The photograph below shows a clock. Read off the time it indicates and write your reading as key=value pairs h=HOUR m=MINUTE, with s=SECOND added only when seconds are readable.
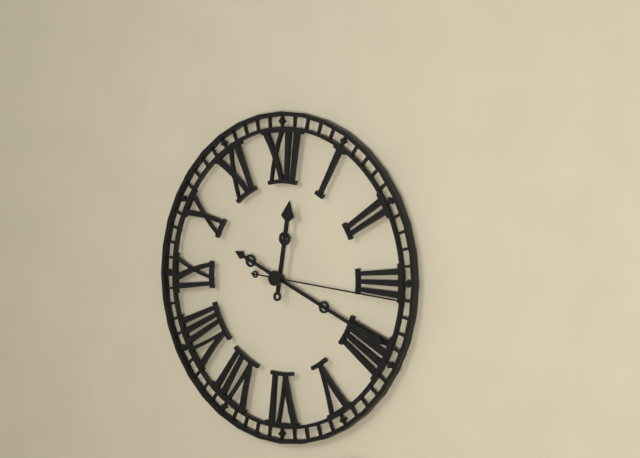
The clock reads h=12 m=19 s=16
